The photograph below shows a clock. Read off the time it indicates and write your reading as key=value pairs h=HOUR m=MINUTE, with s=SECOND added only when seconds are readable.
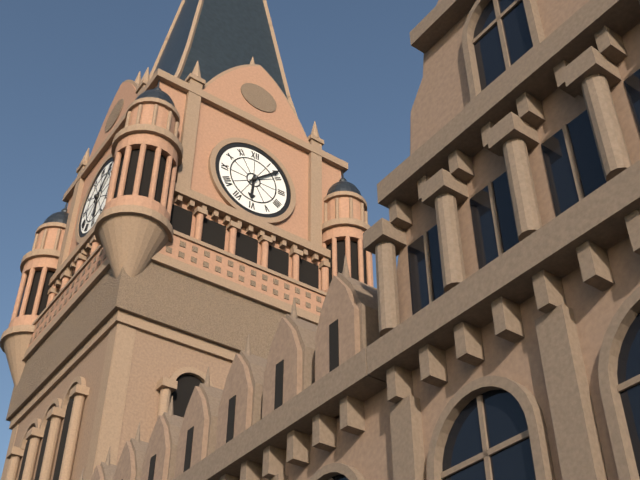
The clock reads h=6 m=8
